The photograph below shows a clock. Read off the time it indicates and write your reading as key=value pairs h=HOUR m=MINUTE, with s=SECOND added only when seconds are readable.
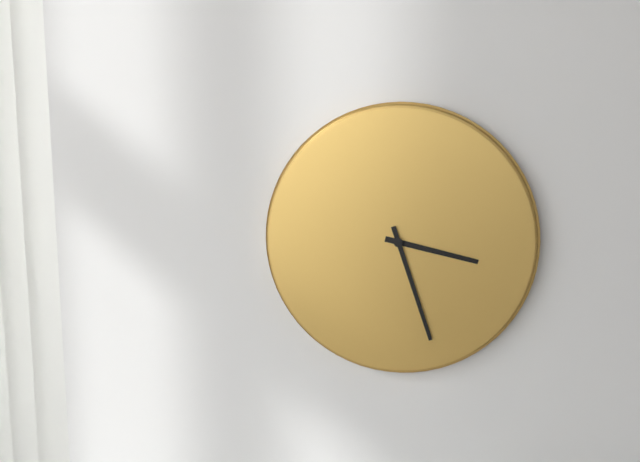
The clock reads h=3 m=27
